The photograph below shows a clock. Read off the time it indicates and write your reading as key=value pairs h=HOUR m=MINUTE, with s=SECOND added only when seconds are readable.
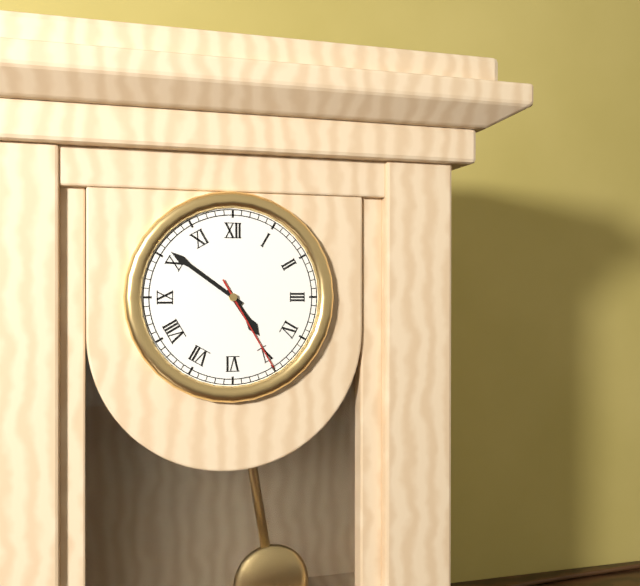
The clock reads h=4 m=51 s=25
